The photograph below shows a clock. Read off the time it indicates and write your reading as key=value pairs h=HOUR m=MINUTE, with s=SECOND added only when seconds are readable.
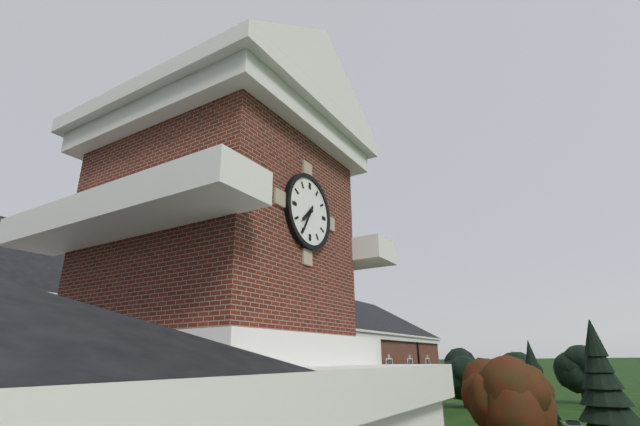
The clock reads h=7 m=35
